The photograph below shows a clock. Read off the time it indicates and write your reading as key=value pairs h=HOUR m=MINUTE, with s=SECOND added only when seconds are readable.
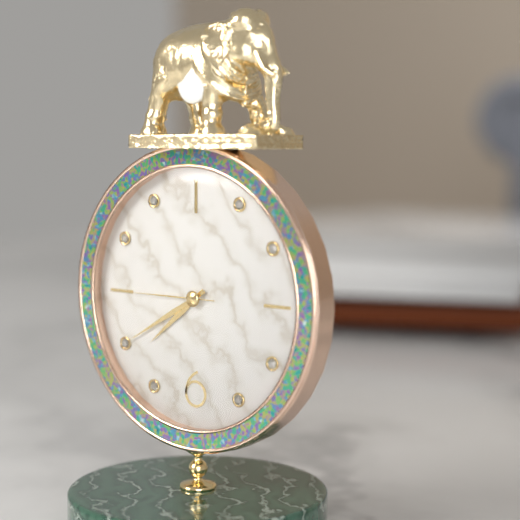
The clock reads h=7 m=40 s=45
